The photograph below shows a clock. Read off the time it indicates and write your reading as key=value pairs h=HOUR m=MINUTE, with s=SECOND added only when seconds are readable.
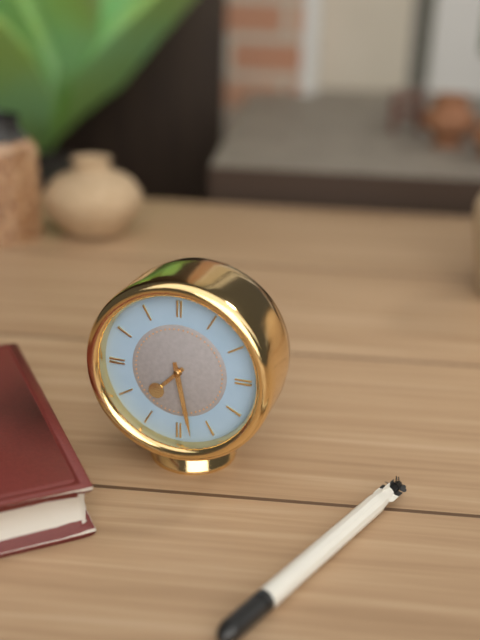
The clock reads h=7 m=28
